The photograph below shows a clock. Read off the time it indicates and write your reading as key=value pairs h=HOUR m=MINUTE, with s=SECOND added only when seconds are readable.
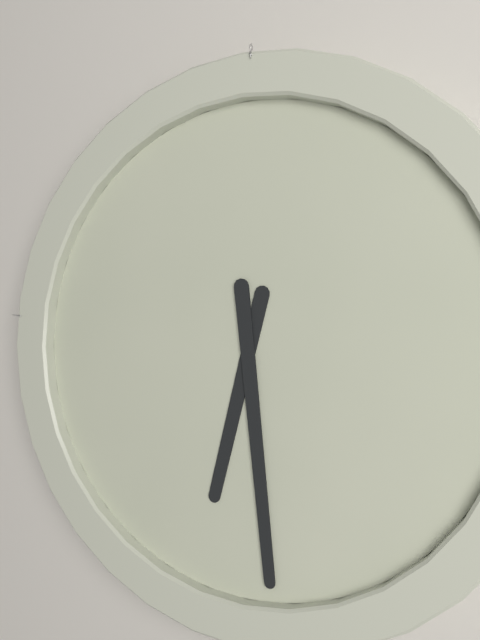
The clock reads h=6 m=29
